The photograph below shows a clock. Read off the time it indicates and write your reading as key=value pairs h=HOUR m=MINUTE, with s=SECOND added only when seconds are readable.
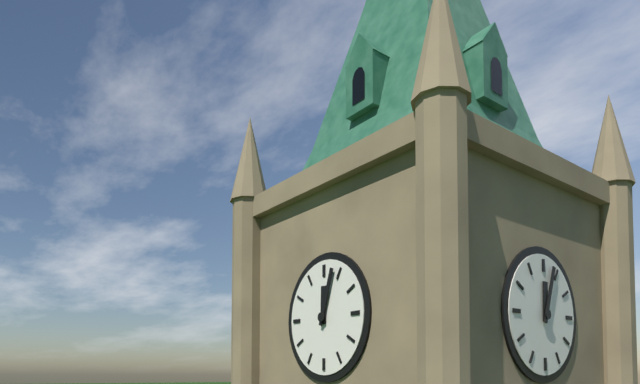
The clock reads h=12 m=3
